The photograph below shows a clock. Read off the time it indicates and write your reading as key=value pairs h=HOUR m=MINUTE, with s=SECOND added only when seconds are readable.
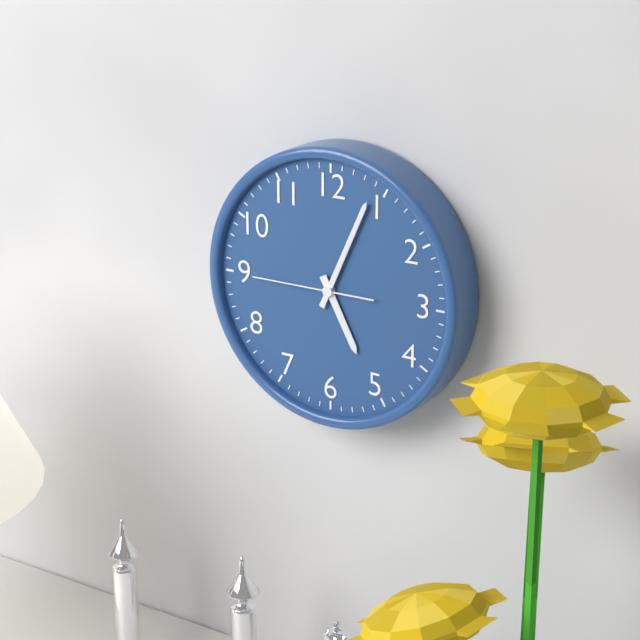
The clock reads h=5 m=4 s=45
